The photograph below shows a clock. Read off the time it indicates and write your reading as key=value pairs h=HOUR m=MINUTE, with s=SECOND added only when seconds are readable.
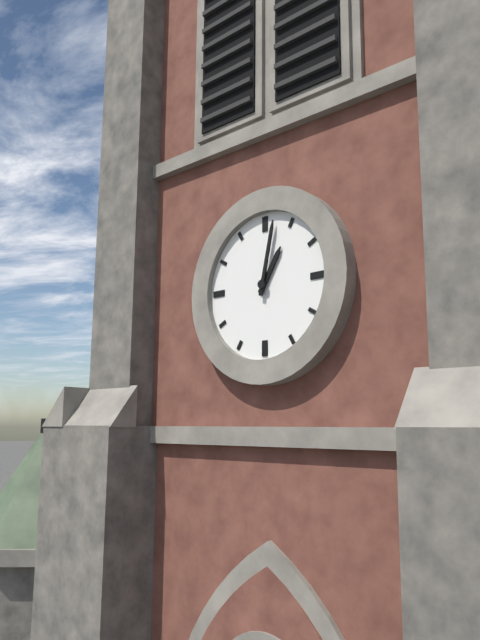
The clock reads h=1 m=2
